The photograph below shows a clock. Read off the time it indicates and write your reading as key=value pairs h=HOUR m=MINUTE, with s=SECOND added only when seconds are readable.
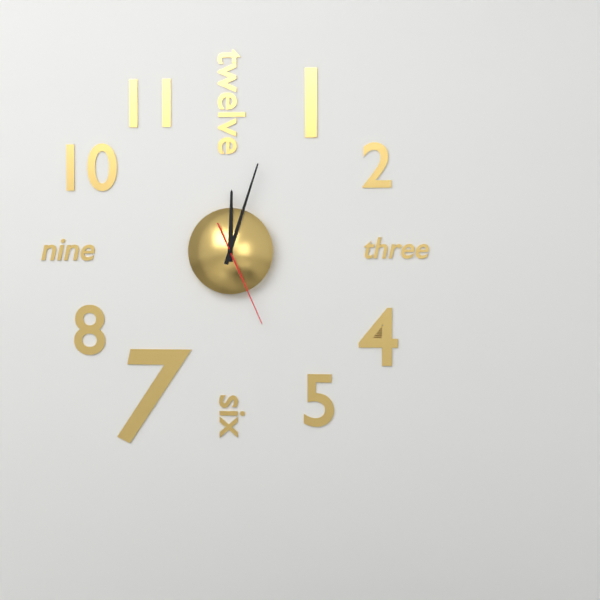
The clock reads h=12 m=3 s=26
